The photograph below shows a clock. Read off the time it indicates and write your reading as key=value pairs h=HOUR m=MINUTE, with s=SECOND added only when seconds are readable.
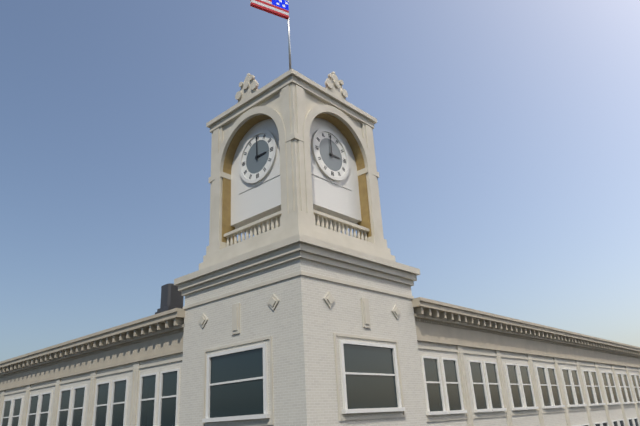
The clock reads h=3 m=0
